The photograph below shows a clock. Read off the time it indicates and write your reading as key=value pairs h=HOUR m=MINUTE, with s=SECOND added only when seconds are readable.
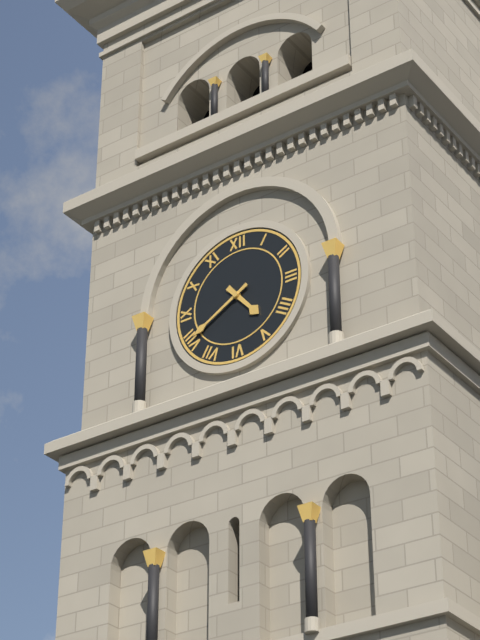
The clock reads h=4 m=40
